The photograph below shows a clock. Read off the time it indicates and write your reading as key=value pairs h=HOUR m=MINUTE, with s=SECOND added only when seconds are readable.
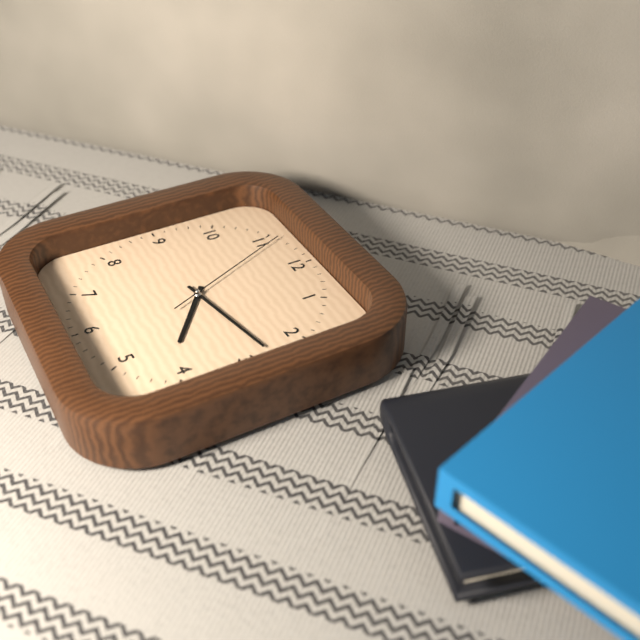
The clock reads h=4 m=13 s=56
